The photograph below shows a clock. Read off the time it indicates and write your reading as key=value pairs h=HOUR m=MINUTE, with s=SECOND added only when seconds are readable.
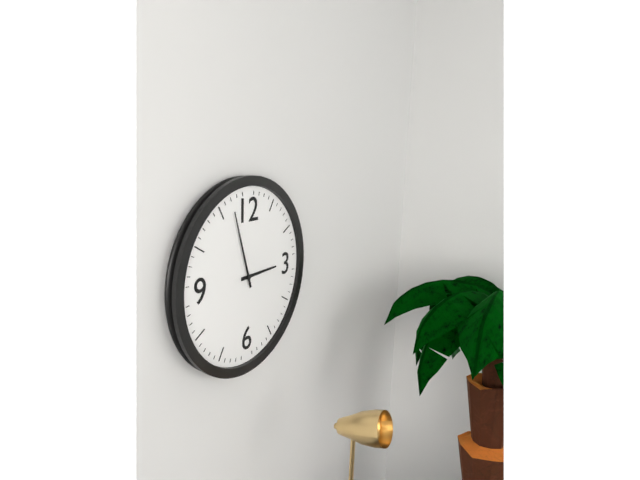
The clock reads h=2 m=57
